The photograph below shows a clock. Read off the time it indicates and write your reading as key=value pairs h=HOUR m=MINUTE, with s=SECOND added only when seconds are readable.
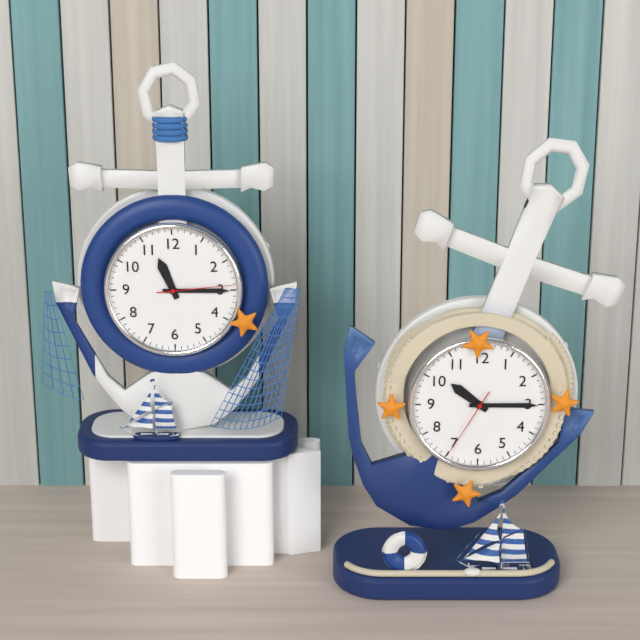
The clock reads h=11 m=15 s=14
